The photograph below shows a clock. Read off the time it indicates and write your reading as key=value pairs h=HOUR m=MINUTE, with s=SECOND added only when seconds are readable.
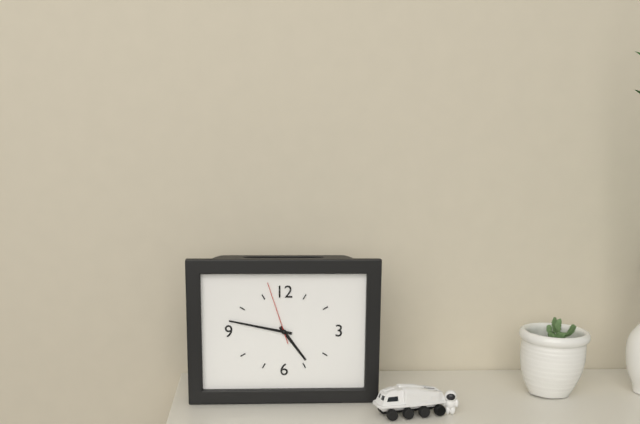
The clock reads h=4 m=47 s=57
